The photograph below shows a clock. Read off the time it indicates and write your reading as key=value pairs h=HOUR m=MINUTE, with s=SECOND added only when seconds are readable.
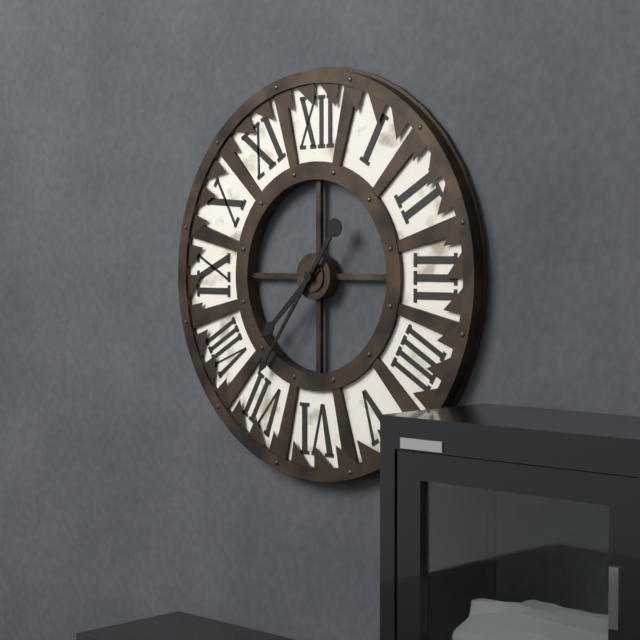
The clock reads h=7 m=36
